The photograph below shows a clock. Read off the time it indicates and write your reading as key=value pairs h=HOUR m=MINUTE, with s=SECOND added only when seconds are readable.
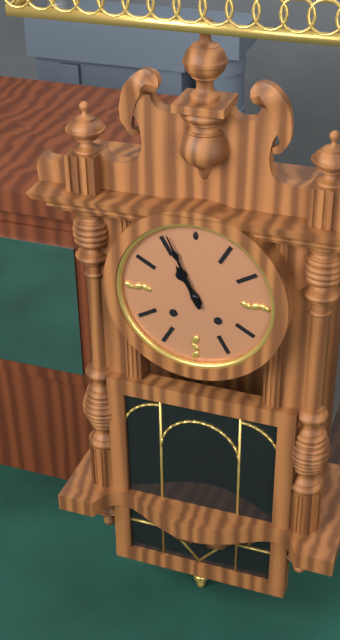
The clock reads h=10 m=56
